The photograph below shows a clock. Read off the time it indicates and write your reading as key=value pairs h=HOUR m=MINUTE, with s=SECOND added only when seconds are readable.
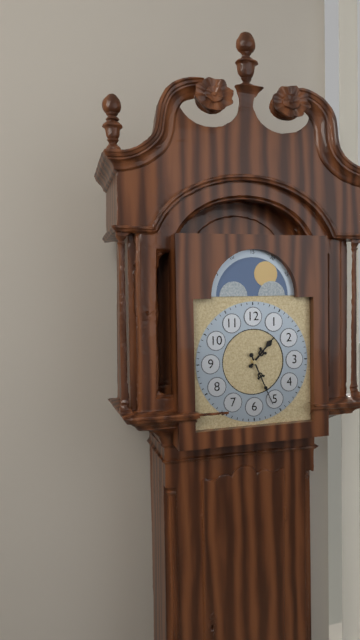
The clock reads h=1 m=26
